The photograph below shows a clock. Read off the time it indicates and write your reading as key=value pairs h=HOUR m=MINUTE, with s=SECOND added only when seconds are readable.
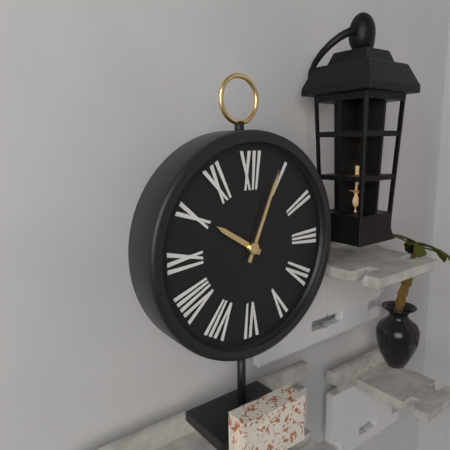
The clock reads h=10 m=4
